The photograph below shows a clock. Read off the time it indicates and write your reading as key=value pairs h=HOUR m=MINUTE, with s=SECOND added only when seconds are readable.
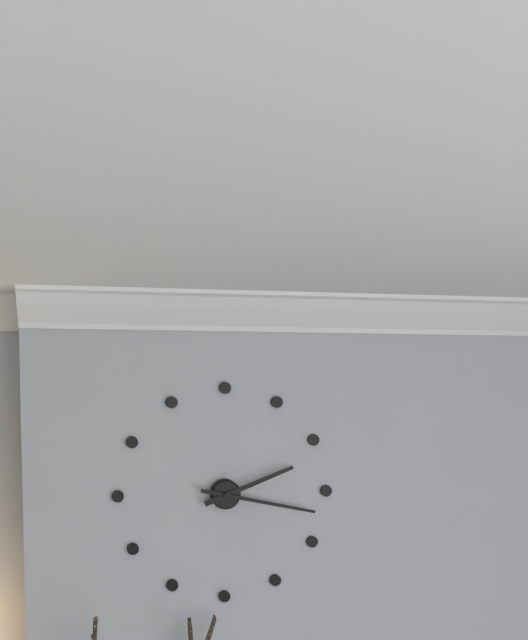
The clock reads h=2 m=17
